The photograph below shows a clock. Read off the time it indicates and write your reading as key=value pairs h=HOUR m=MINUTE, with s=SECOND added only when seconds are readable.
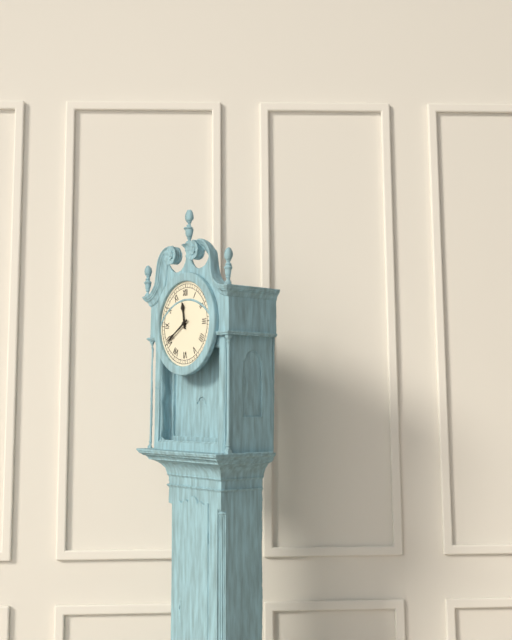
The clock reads h=11 m=40
